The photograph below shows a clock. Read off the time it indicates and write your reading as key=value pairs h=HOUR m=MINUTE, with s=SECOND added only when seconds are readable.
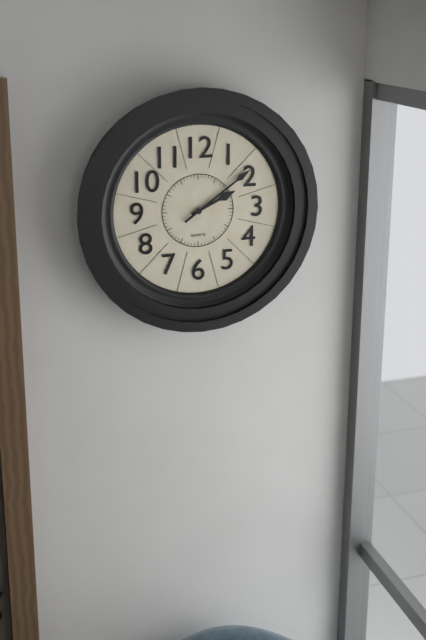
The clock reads h=2 m=9
